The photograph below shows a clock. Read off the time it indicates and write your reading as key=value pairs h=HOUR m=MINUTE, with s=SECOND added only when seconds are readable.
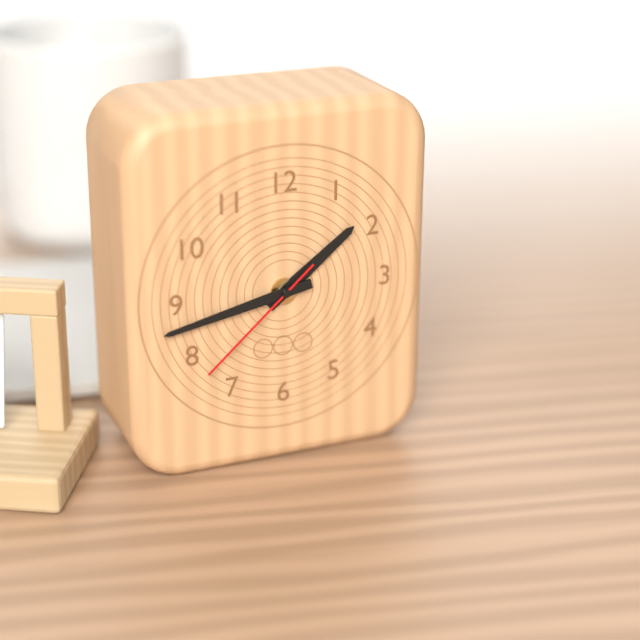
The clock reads h=1 m=43 s=38
